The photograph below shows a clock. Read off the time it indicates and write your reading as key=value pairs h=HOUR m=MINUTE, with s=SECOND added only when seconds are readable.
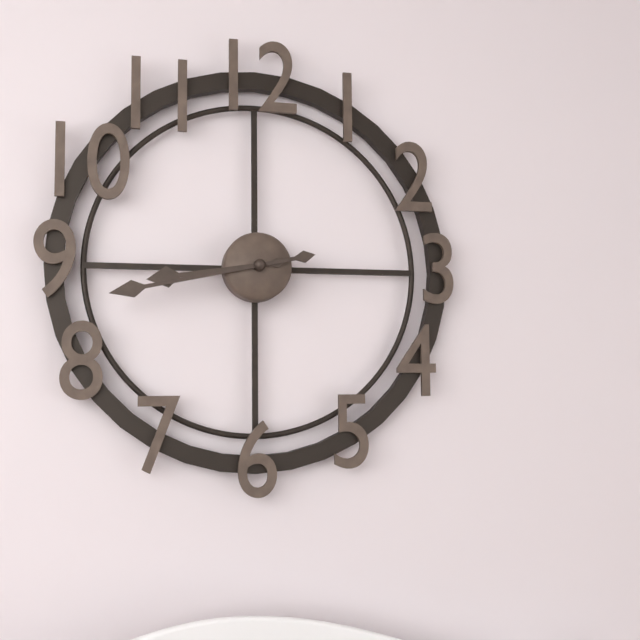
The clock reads h=8 m=43
